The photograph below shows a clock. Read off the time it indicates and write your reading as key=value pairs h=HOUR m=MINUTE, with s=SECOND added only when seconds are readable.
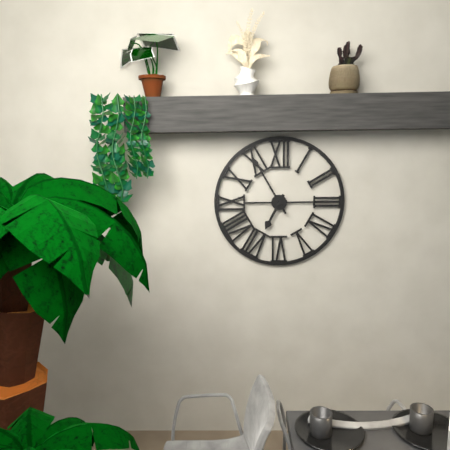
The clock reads h=6 m=55
